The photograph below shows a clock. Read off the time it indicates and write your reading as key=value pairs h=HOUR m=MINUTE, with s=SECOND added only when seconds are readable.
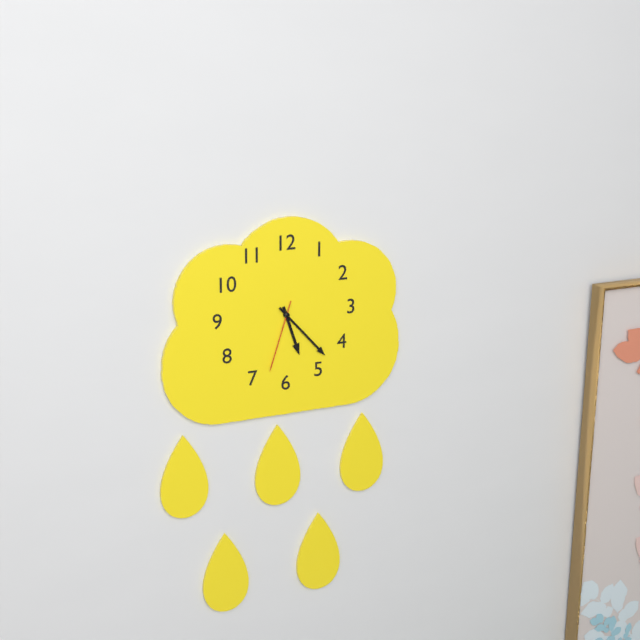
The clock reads h=5 m=23 s=33
